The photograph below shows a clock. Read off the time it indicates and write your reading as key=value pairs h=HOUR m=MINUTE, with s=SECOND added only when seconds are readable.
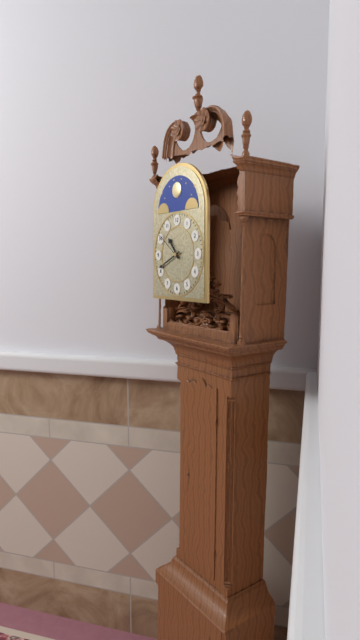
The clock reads h=10 m=41
